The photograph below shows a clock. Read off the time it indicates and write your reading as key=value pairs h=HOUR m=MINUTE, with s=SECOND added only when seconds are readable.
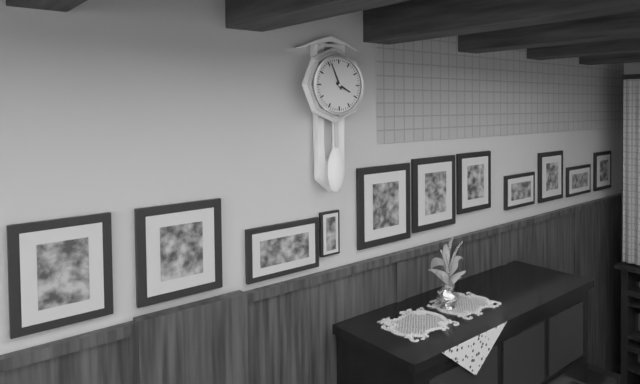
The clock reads h=3 m=56
